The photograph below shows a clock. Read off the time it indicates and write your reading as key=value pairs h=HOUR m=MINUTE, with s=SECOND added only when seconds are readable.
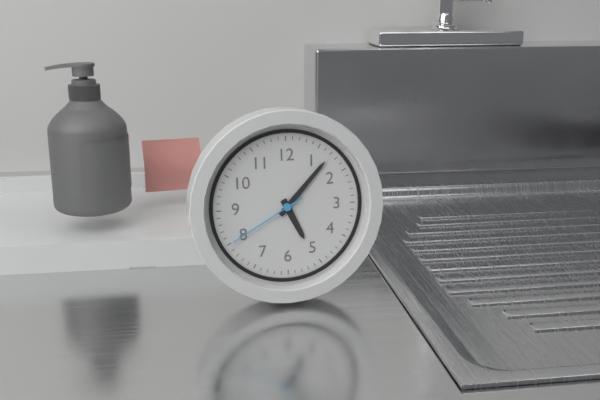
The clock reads h=5 m=7 s=40
